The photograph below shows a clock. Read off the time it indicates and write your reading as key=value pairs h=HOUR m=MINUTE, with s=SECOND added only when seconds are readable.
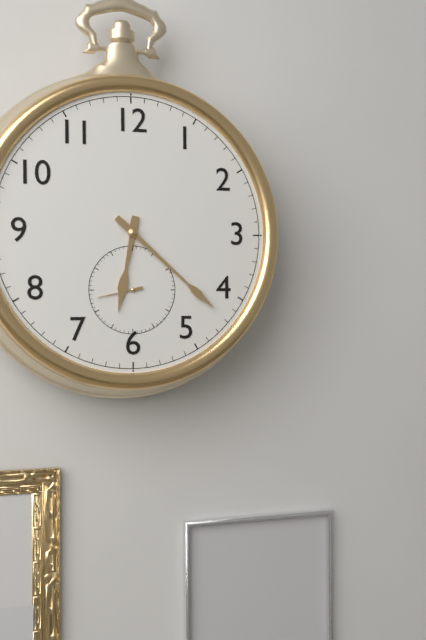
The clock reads h=6 m=22
